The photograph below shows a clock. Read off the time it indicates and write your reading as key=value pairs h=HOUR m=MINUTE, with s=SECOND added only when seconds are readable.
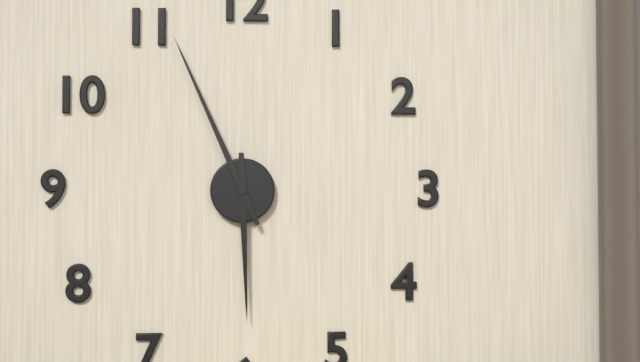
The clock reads h=5 m=56
